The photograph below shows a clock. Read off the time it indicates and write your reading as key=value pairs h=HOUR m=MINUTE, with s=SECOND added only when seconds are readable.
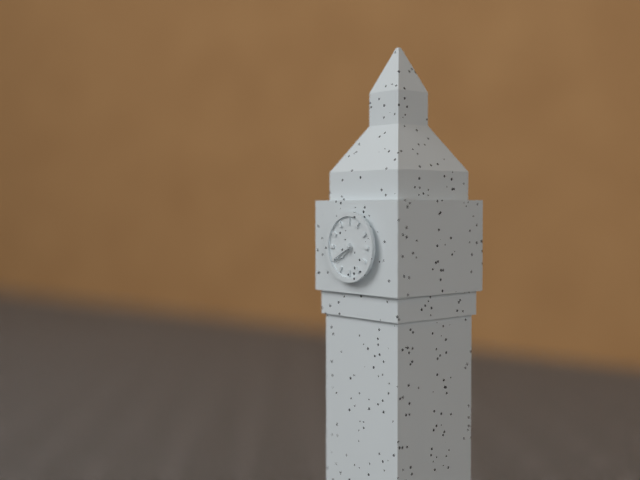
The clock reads h=7 m=40
